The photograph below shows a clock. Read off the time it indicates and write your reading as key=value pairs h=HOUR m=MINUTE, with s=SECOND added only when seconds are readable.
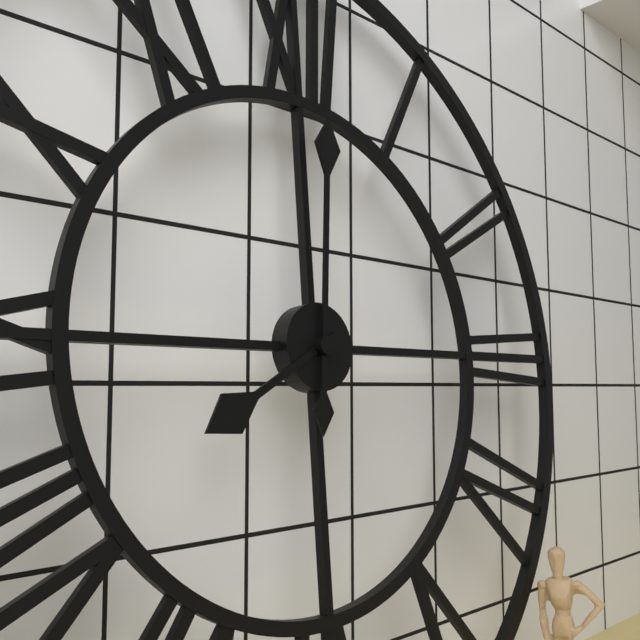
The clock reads h=8 m=1
